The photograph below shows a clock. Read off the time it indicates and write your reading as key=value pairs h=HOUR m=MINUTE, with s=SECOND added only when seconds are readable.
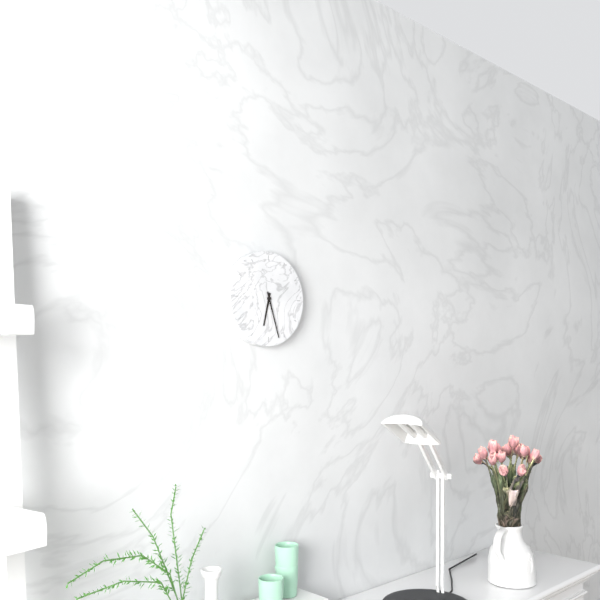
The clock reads h=6 m=27
